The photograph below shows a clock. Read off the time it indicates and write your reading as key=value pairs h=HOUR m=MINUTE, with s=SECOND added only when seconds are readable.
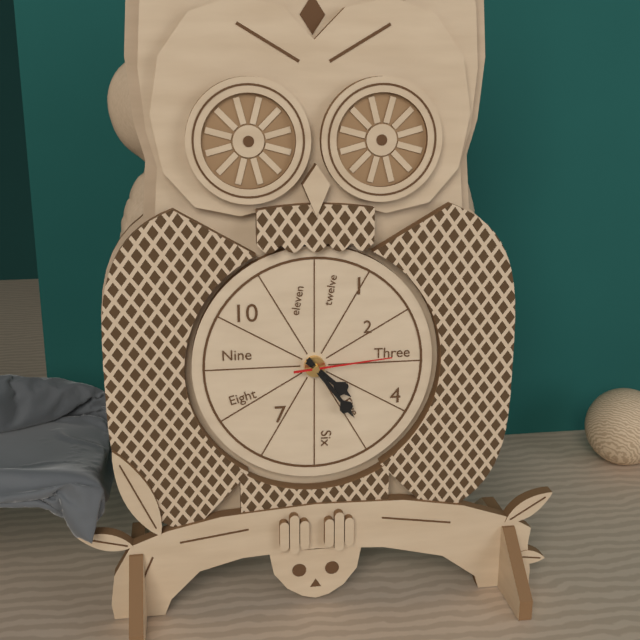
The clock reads h=4 m=24 s=14
